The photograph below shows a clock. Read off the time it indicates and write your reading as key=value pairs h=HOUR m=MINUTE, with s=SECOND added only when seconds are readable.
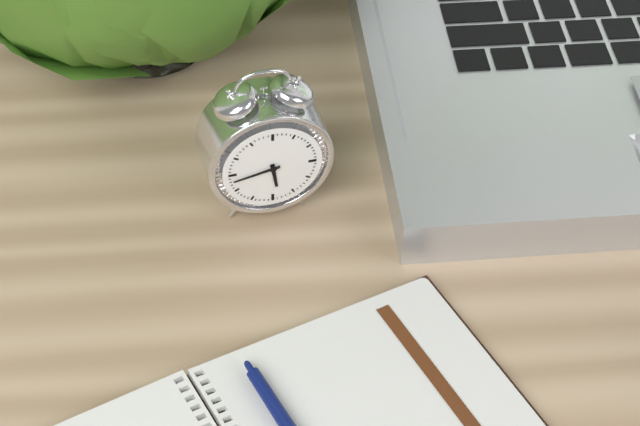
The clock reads h=5 m=43
